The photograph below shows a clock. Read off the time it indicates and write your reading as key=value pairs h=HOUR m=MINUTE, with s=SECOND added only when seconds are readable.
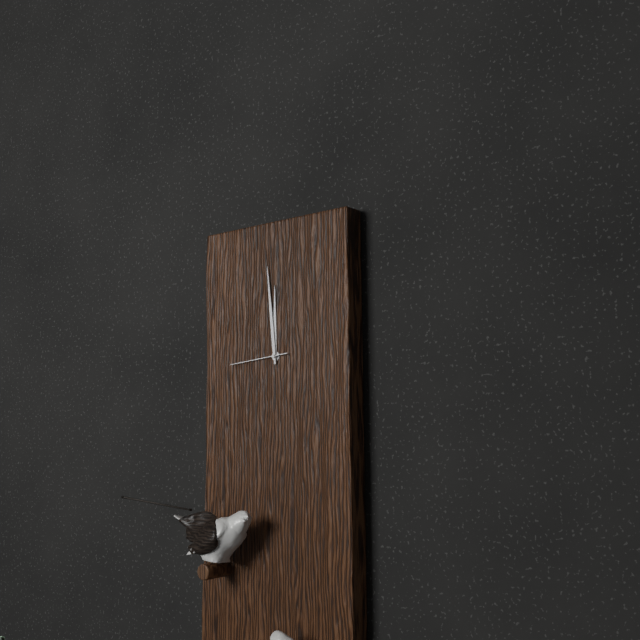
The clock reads h=11 m=59 s=44
